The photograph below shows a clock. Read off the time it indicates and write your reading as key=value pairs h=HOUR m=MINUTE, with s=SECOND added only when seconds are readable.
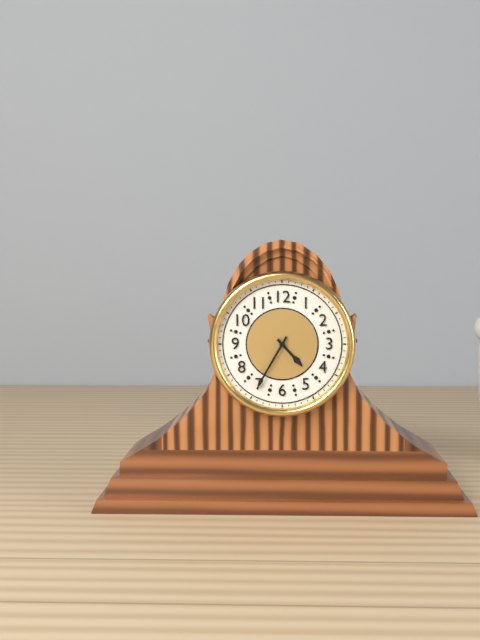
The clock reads h=4 m=35
